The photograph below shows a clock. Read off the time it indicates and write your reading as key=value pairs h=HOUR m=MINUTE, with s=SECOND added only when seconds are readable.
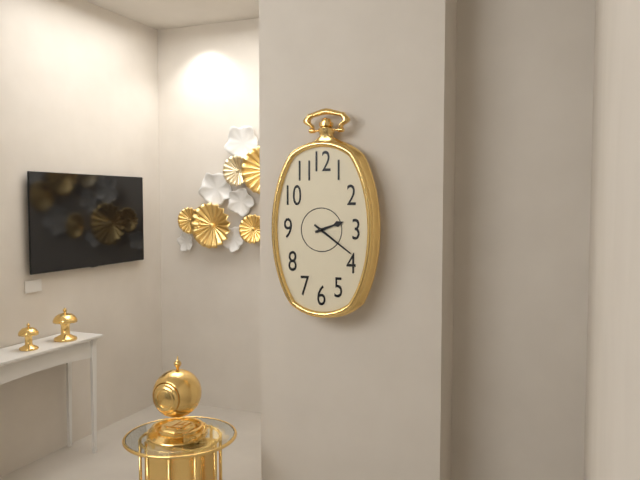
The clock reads h=2 m=21
